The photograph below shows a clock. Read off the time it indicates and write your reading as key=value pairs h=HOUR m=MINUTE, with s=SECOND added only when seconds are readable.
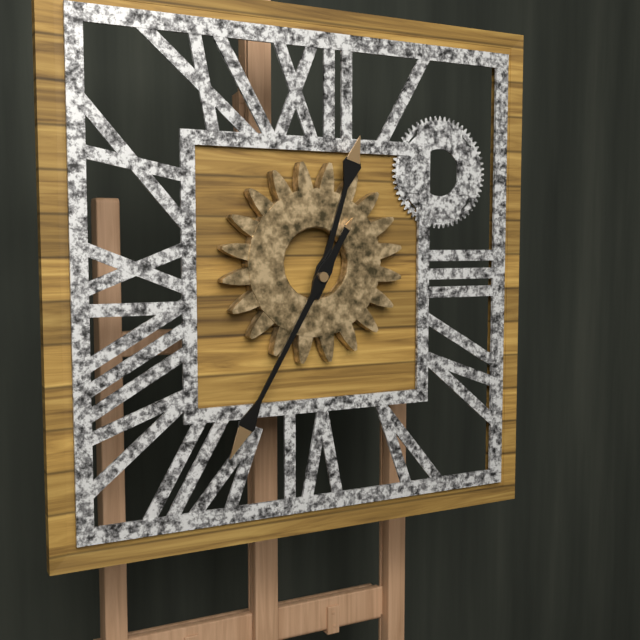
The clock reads h=12 m=35
